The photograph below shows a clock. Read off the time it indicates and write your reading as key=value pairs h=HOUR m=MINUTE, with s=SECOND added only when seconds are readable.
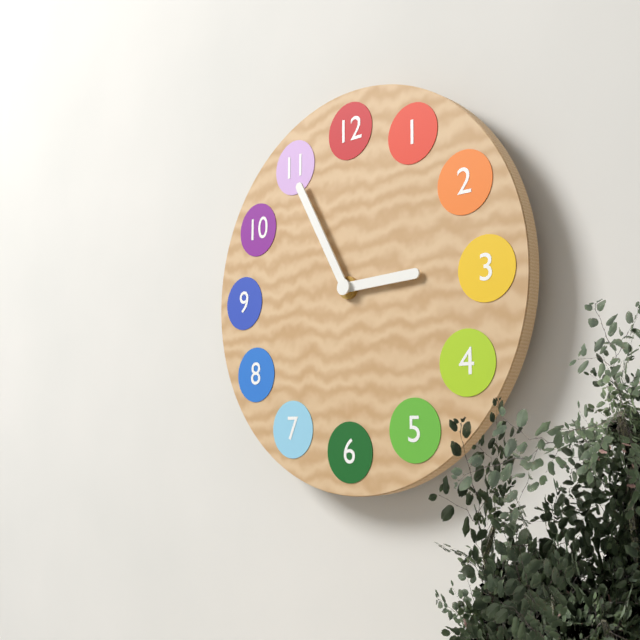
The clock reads h=2 m=55
